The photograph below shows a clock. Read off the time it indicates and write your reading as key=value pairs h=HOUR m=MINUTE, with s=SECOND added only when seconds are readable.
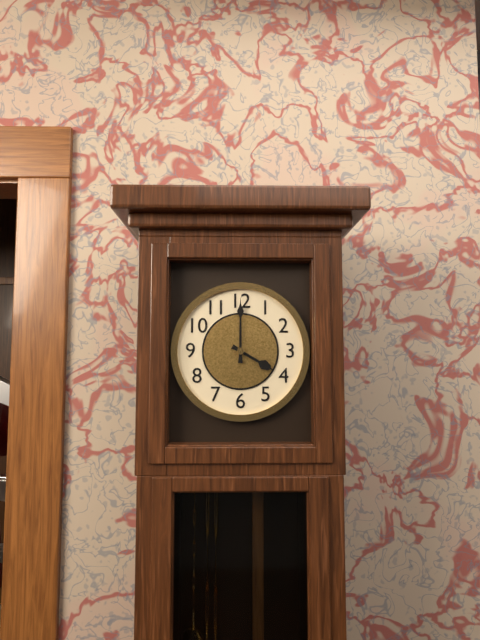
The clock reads h=4 m=0
